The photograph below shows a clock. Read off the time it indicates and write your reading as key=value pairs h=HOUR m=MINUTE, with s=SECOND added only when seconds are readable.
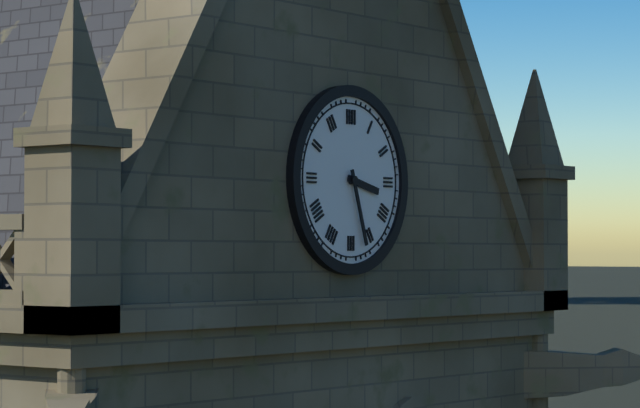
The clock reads h=3 m=27
